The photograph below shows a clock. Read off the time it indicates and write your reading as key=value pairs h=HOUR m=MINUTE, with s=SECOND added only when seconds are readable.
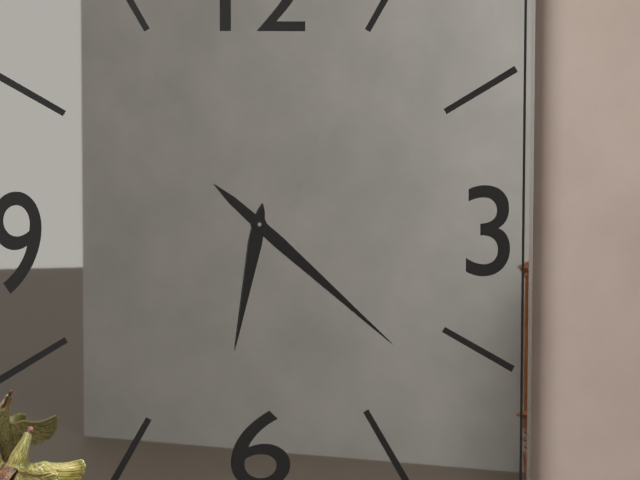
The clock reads h=6 m=22
